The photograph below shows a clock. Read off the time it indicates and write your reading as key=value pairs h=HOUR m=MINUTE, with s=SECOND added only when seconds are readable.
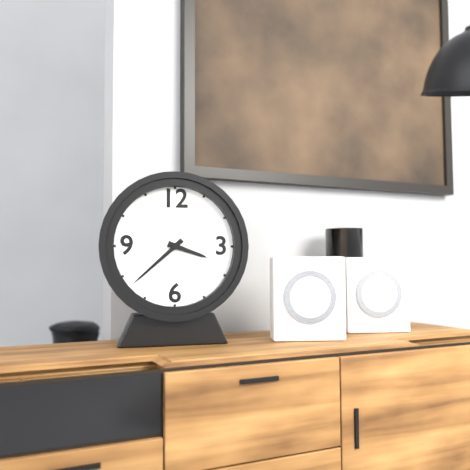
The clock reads h=3 m=38
